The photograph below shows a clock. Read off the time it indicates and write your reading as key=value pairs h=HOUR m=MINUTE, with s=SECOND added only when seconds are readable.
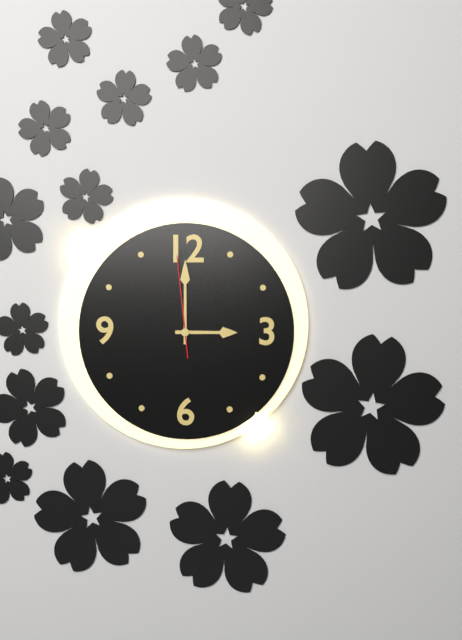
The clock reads h=3 m=0 s=59
